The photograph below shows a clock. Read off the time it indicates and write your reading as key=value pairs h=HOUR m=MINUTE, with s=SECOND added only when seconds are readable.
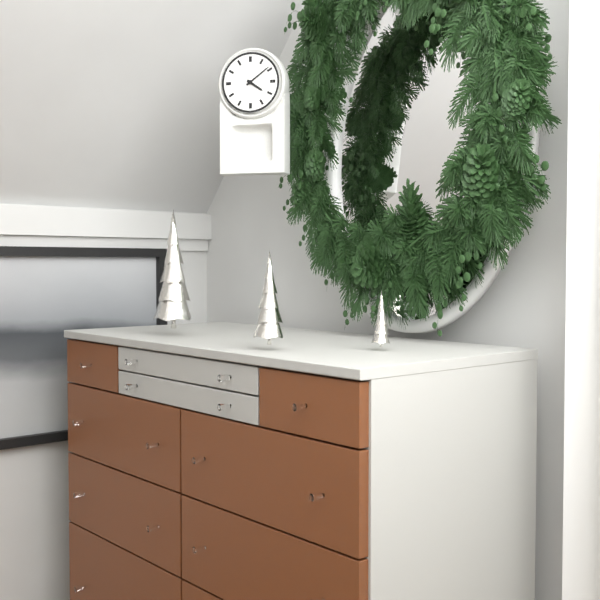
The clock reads h=4 m=9
